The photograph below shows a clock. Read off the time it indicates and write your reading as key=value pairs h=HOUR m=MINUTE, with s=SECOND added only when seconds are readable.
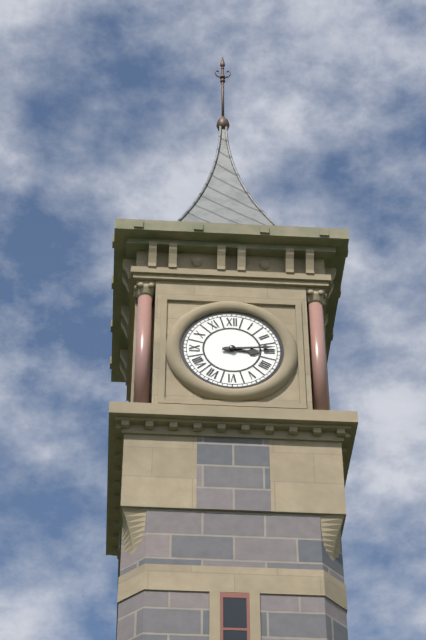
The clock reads h=3 m=14
